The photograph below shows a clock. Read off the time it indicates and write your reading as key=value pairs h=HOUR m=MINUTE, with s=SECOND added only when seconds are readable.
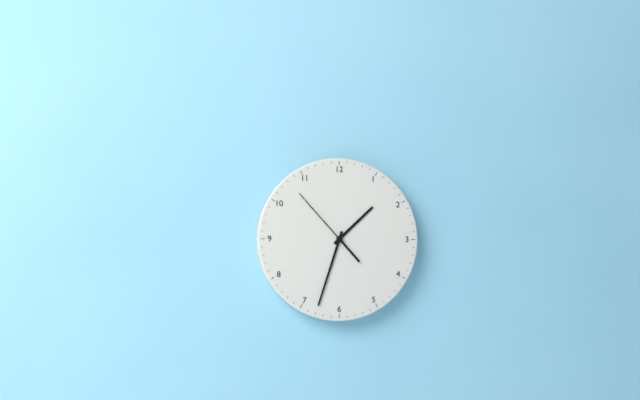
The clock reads h=1 m=33 s=53
